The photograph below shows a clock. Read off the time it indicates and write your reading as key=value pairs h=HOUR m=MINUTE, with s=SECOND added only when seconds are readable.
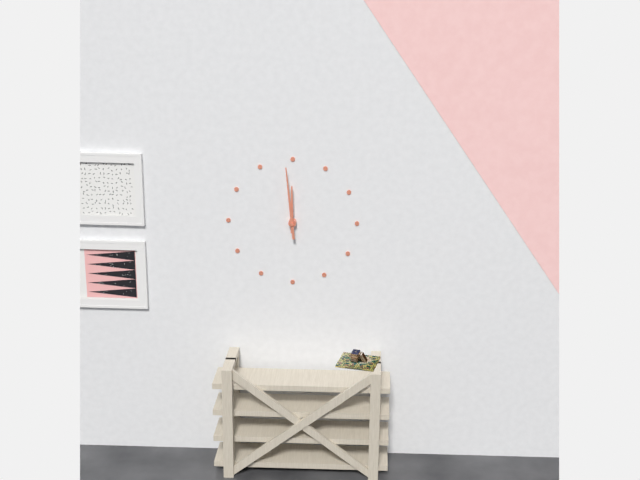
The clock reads h=11 m=59
